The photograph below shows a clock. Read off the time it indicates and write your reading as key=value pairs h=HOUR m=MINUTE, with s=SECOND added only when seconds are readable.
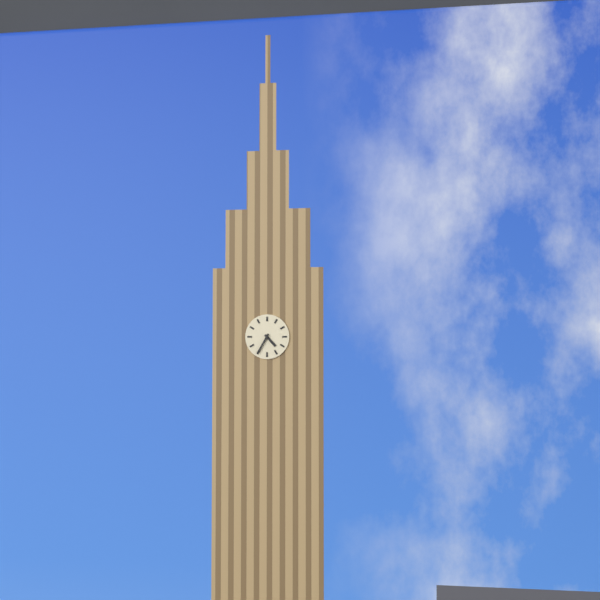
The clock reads h=4 m=35
